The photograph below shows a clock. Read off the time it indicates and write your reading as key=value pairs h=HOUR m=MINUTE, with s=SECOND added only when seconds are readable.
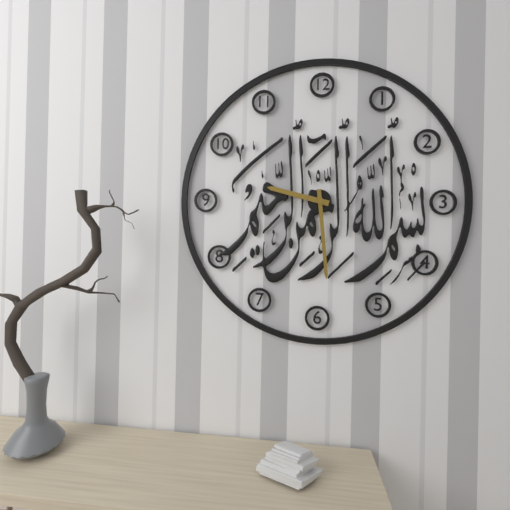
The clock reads h=9 m=29
